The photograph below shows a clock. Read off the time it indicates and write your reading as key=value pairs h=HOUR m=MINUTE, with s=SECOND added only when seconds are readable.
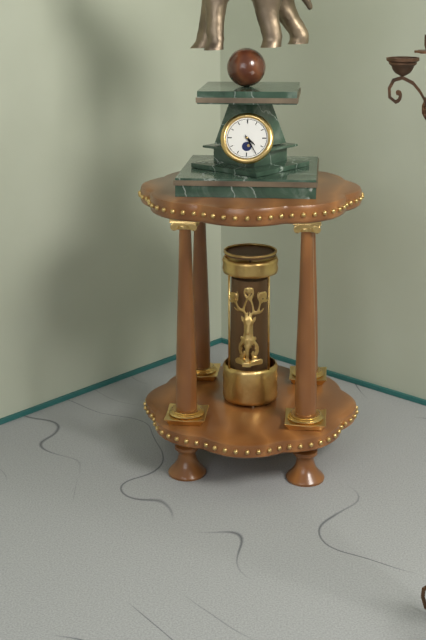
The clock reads h=4 m=25
